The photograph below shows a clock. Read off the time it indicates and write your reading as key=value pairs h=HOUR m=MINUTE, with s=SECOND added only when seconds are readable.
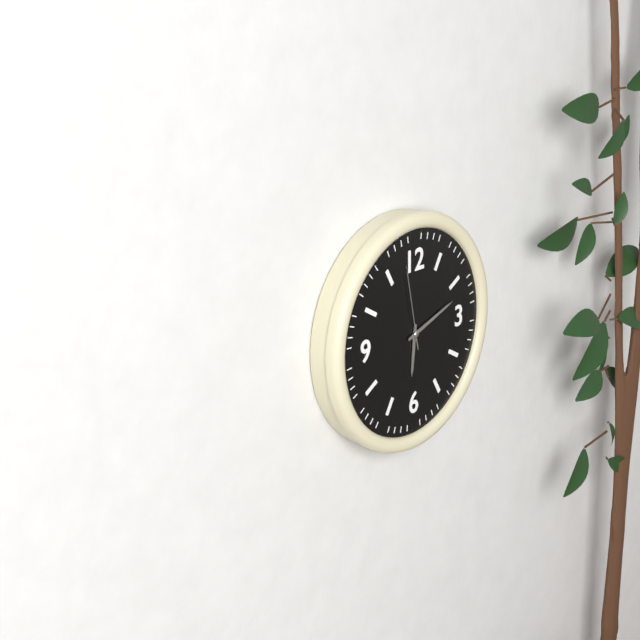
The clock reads h=6 m=12 s=58
